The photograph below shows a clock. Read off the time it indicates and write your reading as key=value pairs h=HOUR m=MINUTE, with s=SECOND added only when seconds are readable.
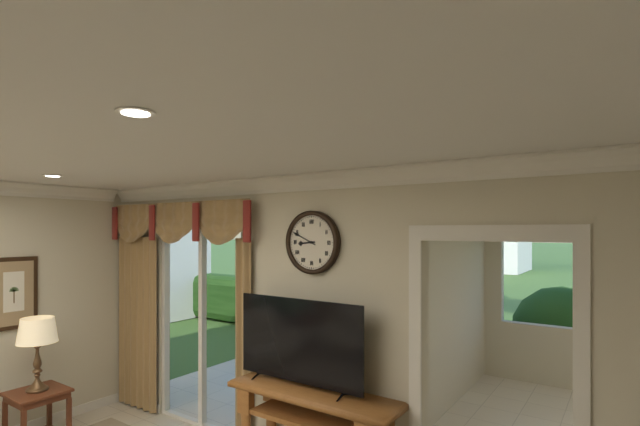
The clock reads h=8 m=49
